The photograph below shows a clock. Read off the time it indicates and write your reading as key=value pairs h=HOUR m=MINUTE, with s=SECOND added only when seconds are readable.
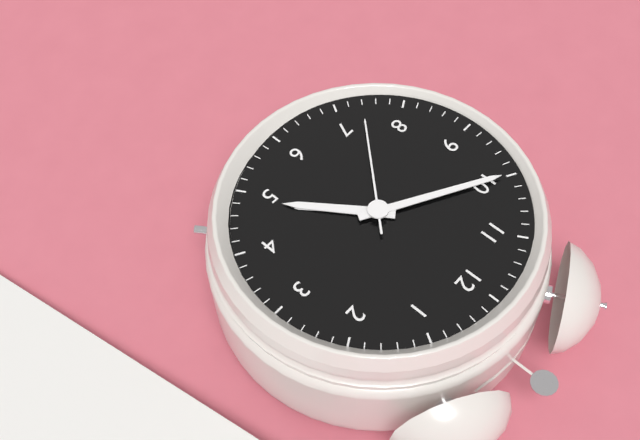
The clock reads h=4 m=50 s=37
